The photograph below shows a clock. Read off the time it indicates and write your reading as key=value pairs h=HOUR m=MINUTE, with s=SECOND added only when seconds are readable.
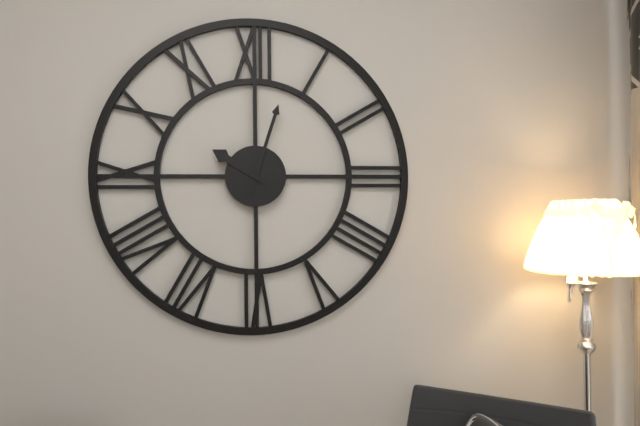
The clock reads h=10 m=3
